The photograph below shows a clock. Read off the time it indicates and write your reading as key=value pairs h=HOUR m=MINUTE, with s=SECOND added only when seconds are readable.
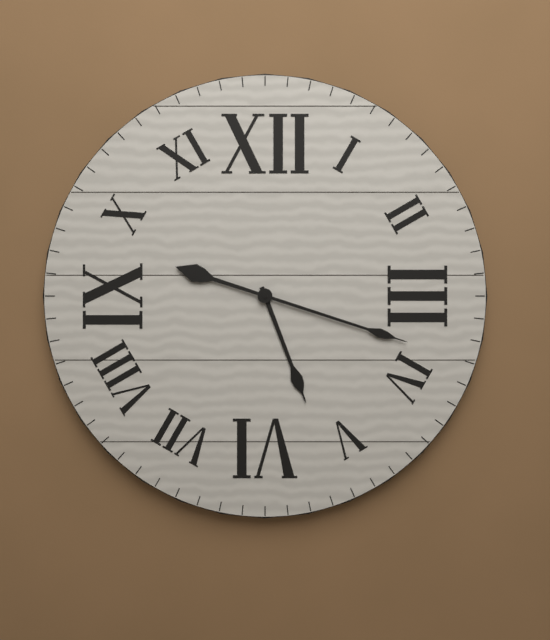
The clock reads h=5 m=18
